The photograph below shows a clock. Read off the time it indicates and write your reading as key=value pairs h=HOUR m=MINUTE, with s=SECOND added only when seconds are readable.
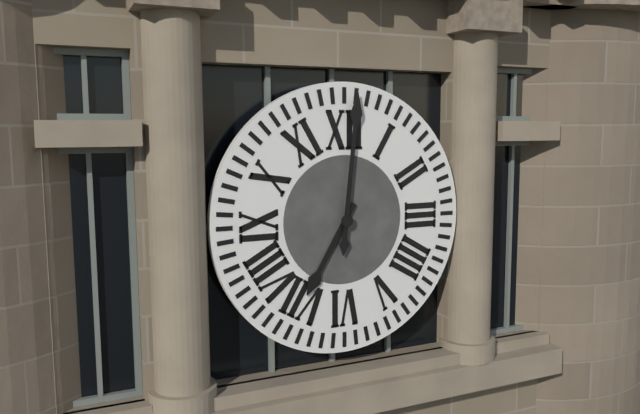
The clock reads h=7 m=1
